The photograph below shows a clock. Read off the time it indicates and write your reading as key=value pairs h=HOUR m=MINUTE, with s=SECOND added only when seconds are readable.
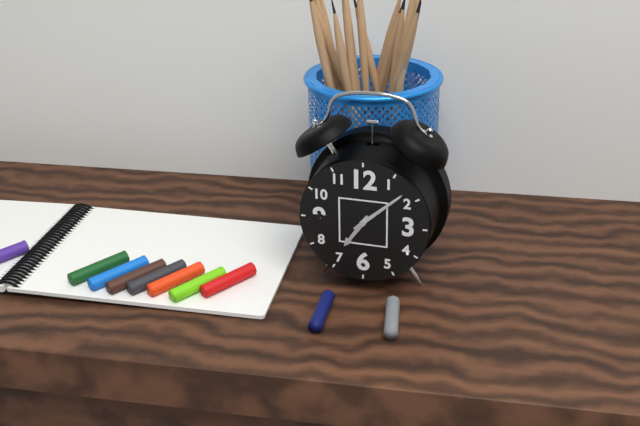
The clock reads h=7 m=8
